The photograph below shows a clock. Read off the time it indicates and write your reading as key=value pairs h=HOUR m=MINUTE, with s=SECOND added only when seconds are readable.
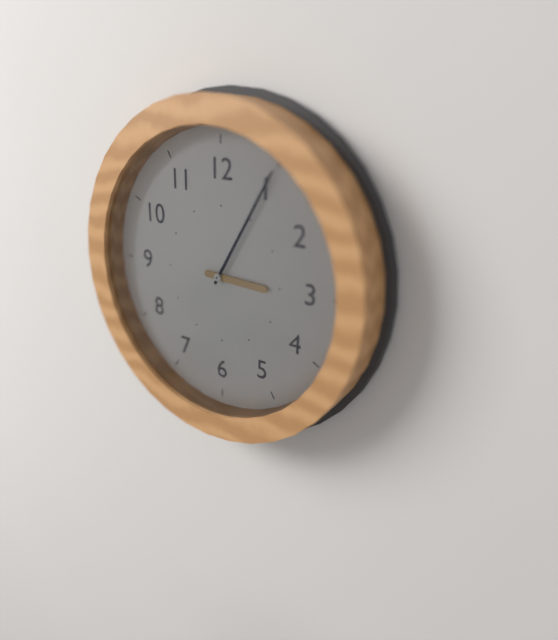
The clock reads h=3 m=5
